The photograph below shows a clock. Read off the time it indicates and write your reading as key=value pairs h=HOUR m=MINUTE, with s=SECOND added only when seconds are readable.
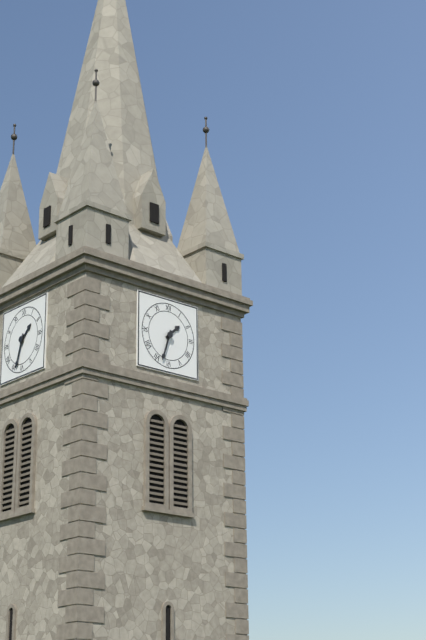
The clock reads h=1 m=33
